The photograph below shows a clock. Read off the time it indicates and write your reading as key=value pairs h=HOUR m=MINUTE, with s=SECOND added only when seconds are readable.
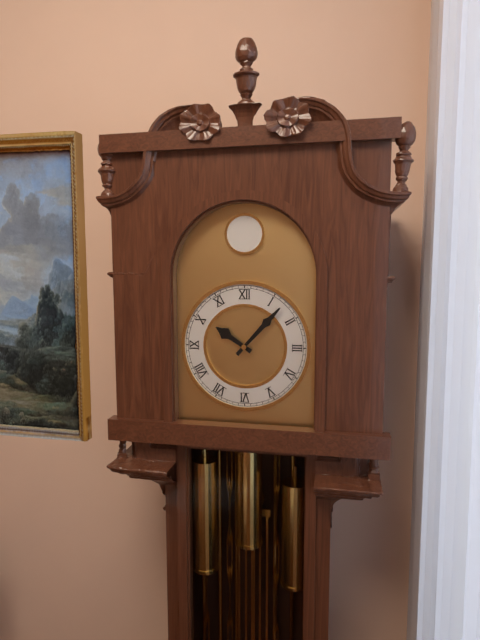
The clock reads h=10 m=7
